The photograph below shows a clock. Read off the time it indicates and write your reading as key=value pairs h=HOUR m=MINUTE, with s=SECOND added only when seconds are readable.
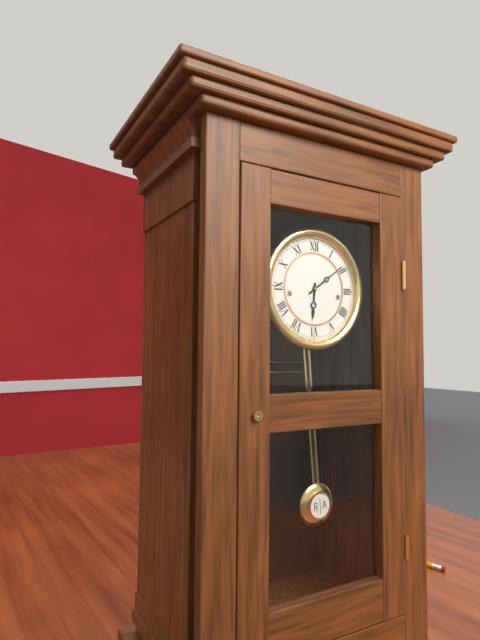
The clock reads h=6 m=9
